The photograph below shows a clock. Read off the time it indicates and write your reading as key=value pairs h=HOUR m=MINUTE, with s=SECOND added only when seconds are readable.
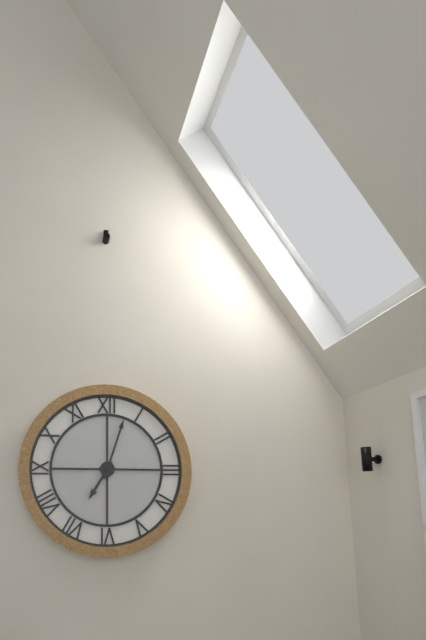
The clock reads h=7 m=3
